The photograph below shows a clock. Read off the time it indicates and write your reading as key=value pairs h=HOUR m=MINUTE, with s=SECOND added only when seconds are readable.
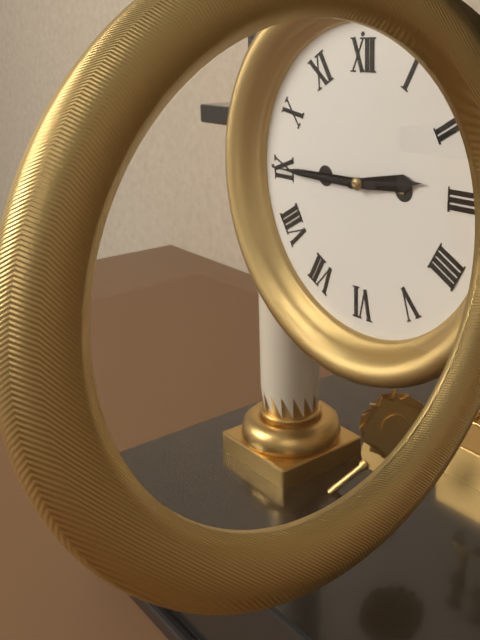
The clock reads h=2 m=45
